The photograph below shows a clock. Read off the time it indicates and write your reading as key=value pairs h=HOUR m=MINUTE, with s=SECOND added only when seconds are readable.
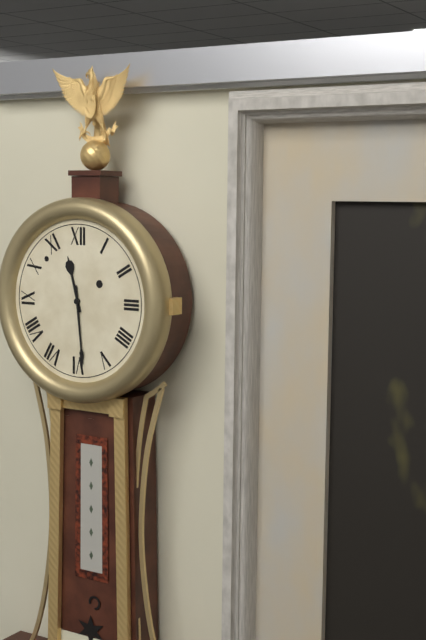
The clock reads h=11 m=29
